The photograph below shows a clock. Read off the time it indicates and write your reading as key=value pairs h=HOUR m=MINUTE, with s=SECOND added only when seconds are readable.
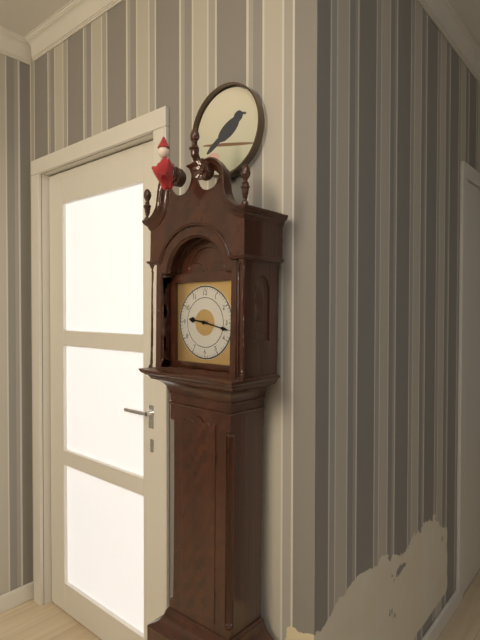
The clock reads h=9 m=17
